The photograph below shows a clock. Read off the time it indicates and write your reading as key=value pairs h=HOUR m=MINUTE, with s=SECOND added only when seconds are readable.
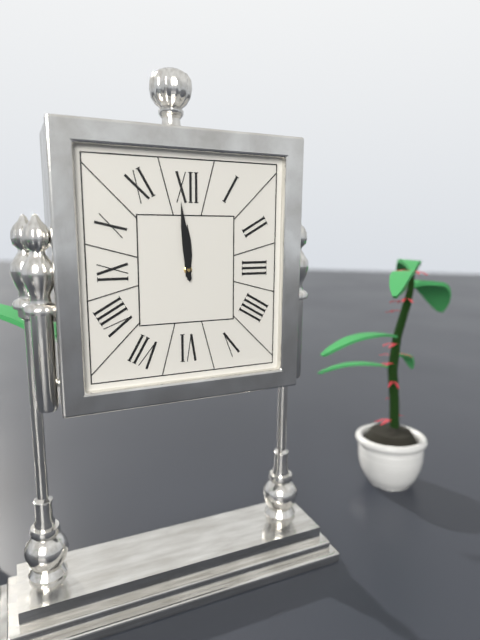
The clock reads h=11 m=59
